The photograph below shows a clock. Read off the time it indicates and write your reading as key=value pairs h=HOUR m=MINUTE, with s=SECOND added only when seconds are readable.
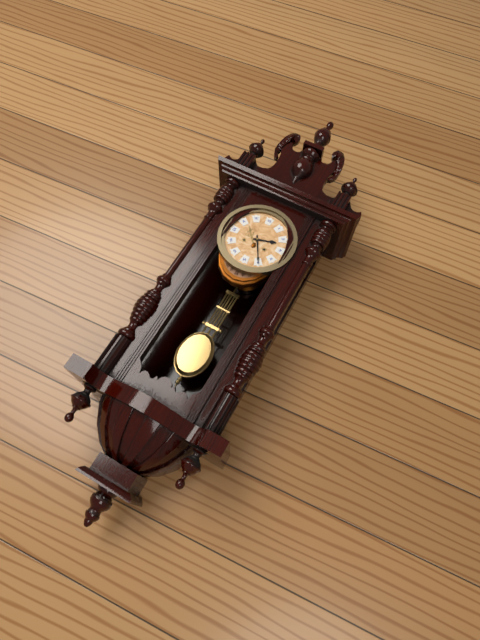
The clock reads h=2 m=25
